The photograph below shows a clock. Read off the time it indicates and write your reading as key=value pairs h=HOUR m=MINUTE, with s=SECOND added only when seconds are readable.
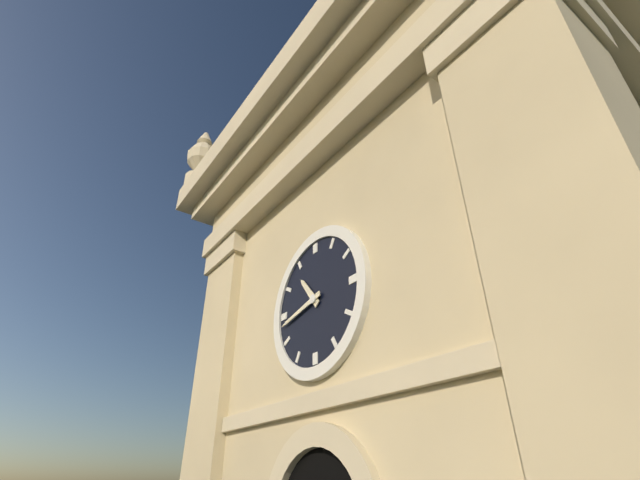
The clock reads h=10 m=43
